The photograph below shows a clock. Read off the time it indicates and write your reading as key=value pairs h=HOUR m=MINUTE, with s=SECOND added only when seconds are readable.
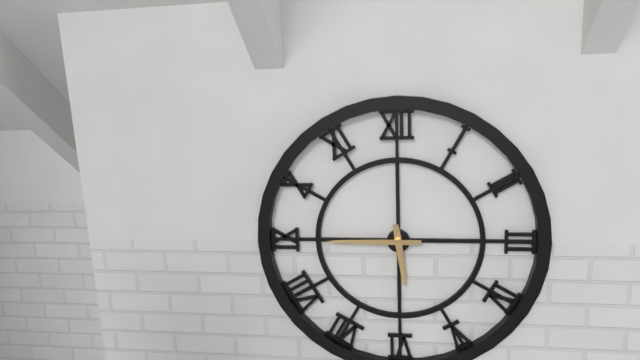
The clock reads h=5 m=45
